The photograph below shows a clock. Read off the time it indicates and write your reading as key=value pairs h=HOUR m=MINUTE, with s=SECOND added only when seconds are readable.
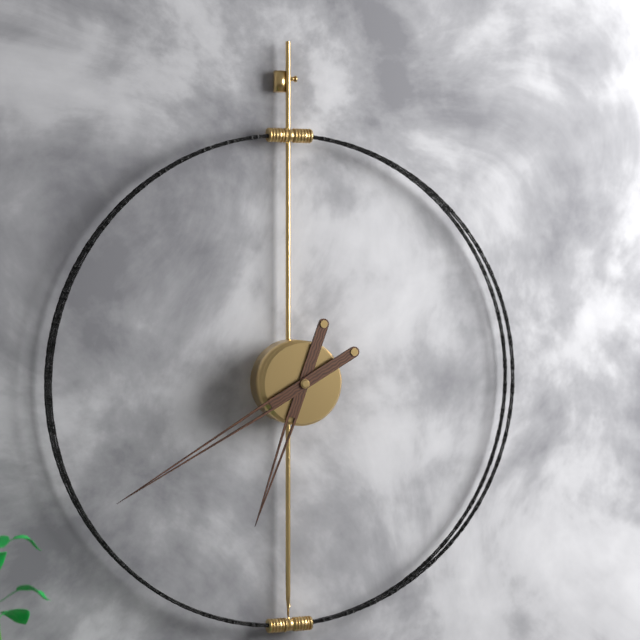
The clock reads h=6 m=40
